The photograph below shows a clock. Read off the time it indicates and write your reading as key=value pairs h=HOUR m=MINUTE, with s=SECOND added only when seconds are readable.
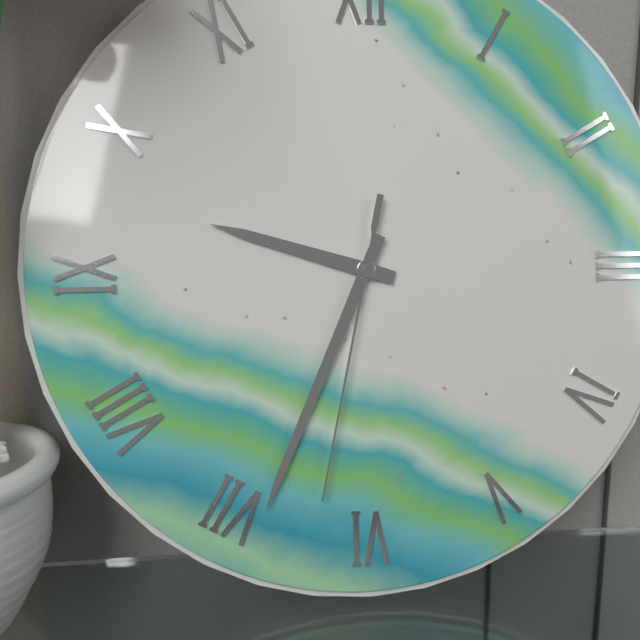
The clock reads h=9 m=34 s=32
